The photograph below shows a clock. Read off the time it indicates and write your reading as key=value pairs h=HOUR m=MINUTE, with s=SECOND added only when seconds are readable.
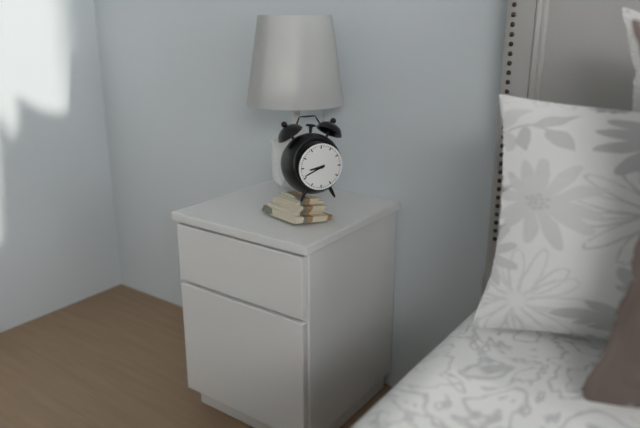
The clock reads h=8 m=41
